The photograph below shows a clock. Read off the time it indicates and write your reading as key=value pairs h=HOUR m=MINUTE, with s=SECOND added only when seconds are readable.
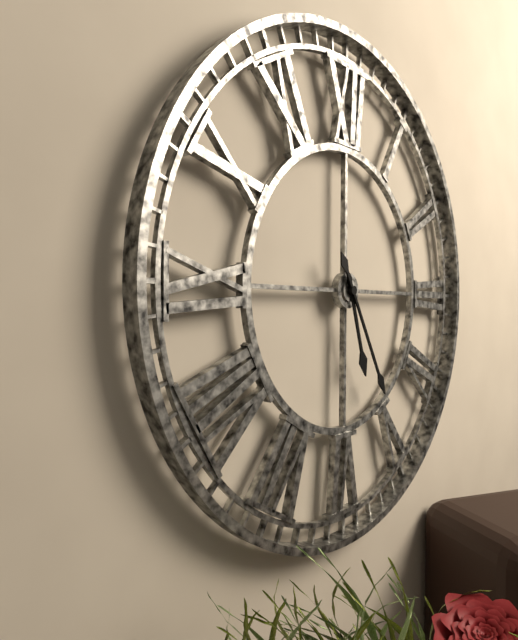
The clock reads h=5 m=25
